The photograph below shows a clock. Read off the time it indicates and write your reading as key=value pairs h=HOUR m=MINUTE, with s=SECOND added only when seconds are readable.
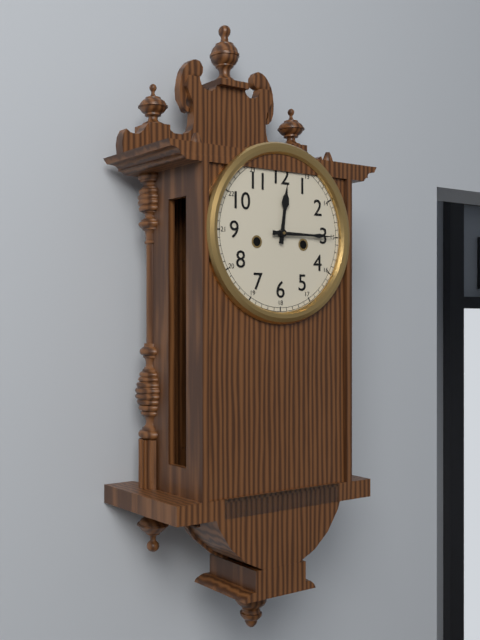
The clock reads h=12 m=15
